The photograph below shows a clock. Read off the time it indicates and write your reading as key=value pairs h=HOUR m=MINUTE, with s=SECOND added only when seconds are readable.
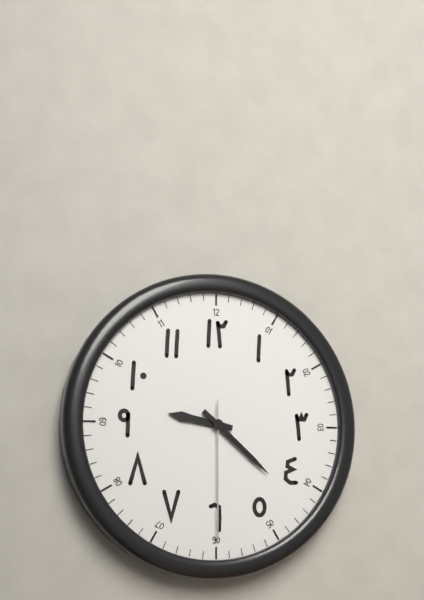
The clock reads h=9 m=22 s=30
